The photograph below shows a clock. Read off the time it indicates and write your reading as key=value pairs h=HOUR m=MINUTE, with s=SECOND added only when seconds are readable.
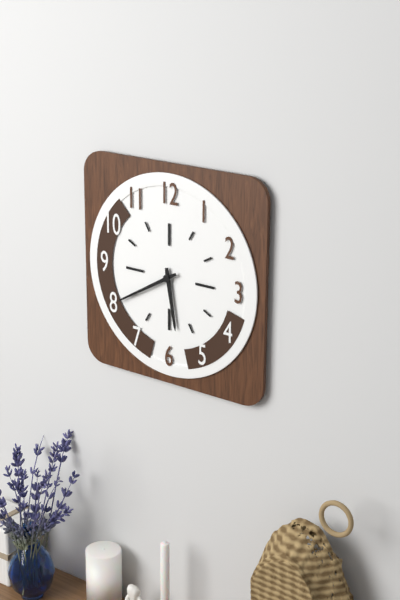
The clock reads h=5 m=40
